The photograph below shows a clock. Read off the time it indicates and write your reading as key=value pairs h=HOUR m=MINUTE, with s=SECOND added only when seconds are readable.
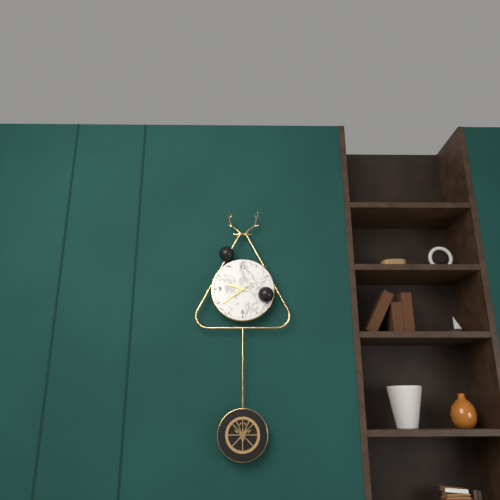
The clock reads h=9 m=39
